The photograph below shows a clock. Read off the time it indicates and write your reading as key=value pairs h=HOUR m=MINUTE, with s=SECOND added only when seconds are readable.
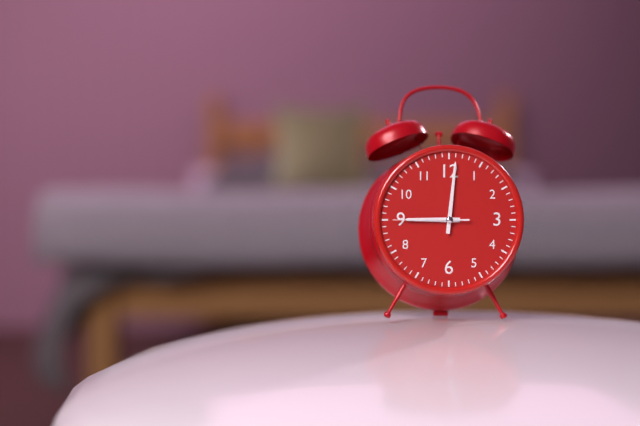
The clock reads h=9 m=1 s=45
